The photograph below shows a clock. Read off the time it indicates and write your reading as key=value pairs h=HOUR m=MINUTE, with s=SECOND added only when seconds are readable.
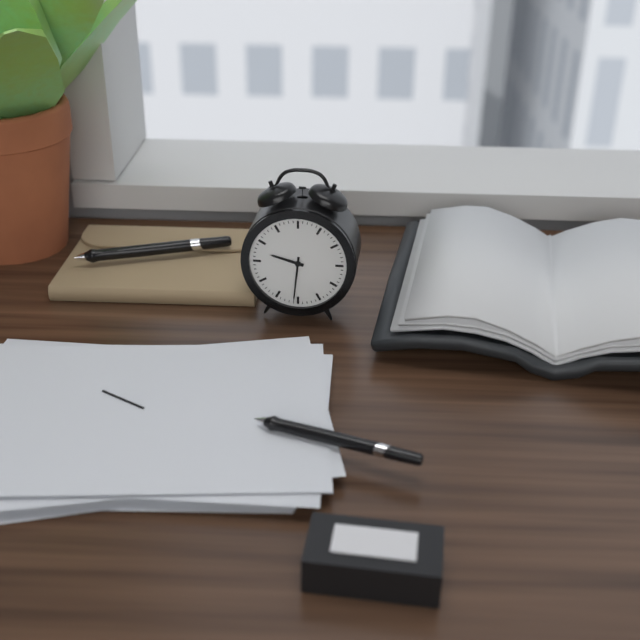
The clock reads h=9 m=31
